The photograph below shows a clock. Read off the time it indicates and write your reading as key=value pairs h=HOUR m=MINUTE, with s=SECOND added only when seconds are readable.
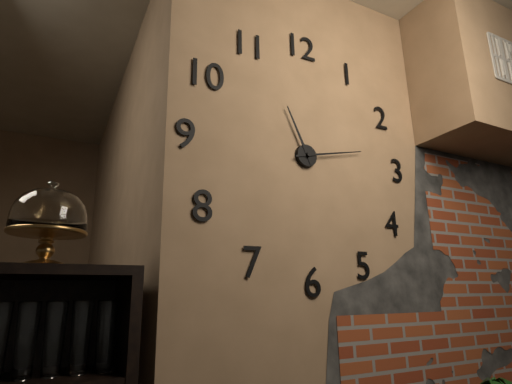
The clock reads h=11 m=13
